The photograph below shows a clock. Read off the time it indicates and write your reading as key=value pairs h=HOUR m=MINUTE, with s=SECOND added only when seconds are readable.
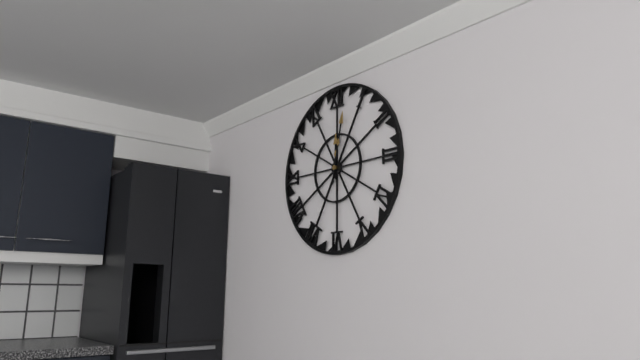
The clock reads h=12 m=2
